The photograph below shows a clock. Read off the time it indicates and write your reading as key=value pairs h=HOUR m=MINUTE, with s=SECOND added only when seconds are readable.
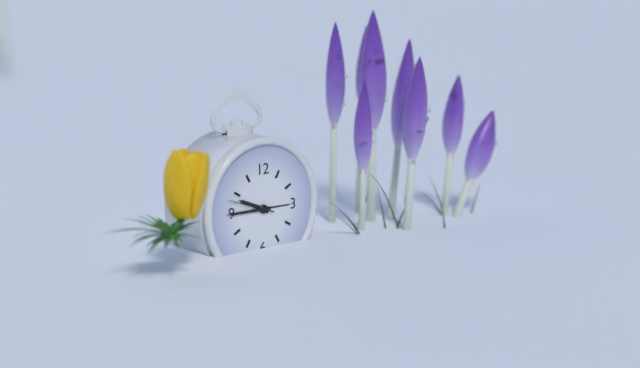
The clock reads h=9 m=45
